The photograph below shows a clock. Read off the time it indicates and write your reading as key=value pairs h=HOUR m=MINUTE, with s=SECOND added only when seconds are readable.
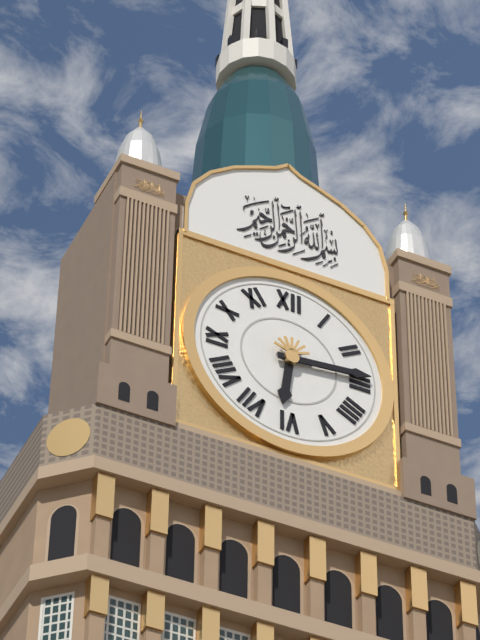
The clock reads h=6 m=14
